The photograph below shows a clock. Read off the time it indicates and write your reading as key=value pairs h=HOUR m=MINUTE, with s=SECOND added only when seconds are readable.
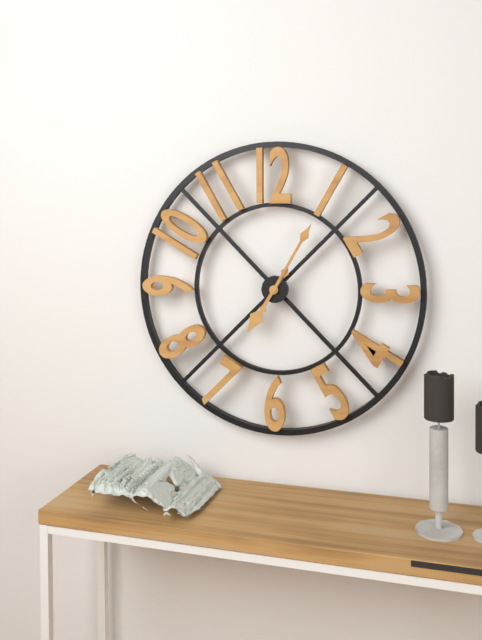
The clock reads h=7 m=5
